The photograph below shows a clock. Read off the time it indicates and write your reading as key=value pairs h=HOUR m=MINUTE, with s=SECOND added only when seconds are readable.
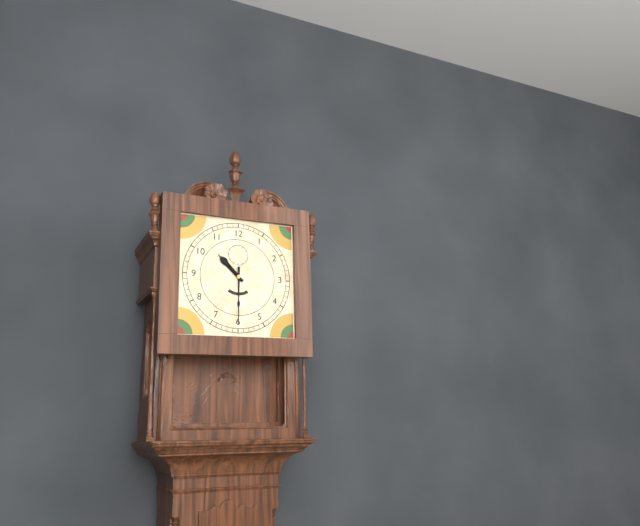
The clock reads h=10 m=30
